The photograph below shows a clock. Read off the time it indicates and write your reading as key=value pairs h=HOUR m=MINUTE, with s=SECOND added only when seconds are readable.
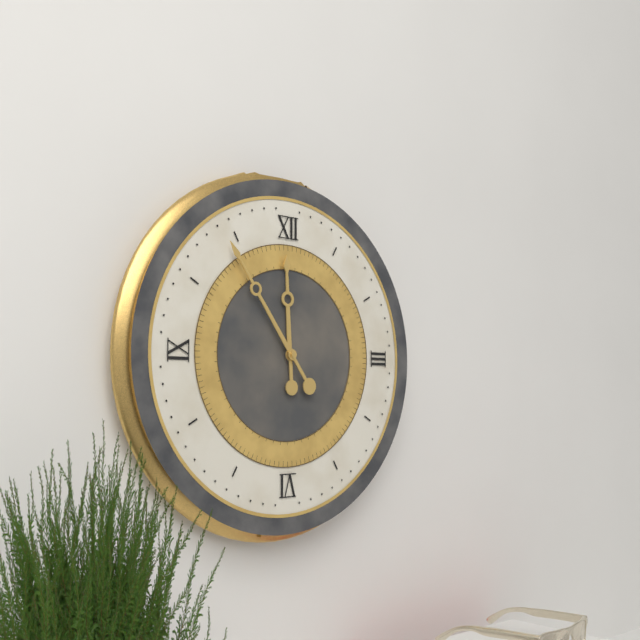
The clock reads h=11 m=54
